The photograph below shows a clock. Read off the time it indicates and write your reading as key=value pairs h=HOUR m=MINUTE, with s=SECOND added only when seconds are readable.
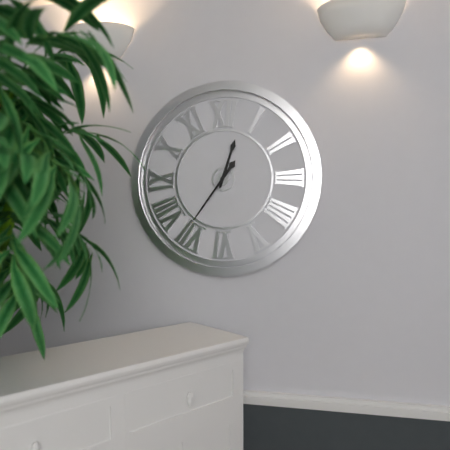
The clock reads h=12 m=36
